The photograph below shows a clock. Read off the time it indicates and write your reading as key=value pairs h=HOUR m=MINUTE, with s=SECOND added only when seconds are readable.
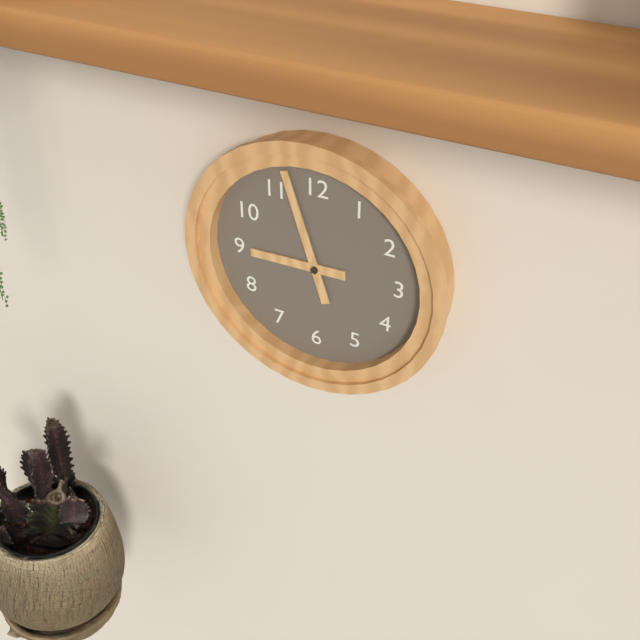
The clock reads h=8 m=57
